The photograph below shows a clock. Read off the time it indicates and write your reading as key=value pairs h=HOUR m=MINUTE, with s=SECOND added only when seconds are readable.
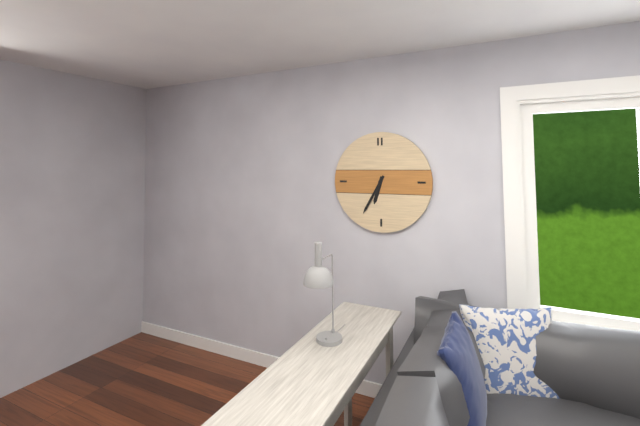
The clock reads h=6 m=35
